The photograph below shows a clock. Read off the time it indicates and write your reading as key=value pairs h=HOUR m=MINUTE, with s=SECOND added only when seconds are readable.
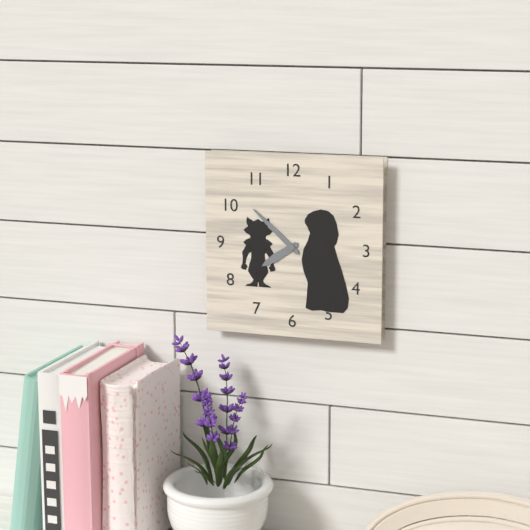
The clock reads h=7 m=52
